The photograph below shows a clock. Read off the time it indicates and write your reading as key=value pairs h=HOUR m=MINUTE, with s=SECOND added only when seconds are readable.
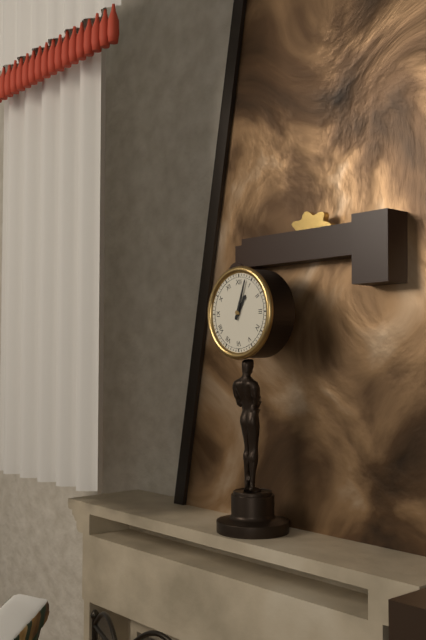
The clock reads h=1 m=3
